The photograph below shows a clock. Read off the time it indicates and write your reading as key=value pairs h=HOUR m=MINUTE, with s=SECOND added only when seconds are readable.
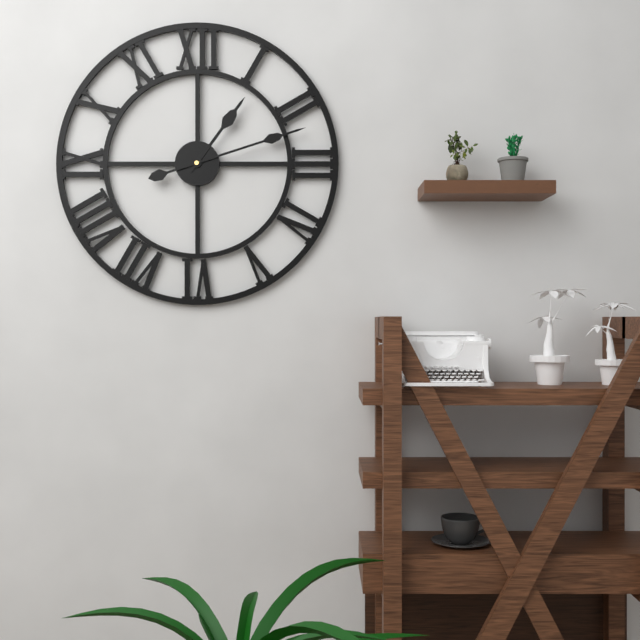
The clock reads h=1 m=12
